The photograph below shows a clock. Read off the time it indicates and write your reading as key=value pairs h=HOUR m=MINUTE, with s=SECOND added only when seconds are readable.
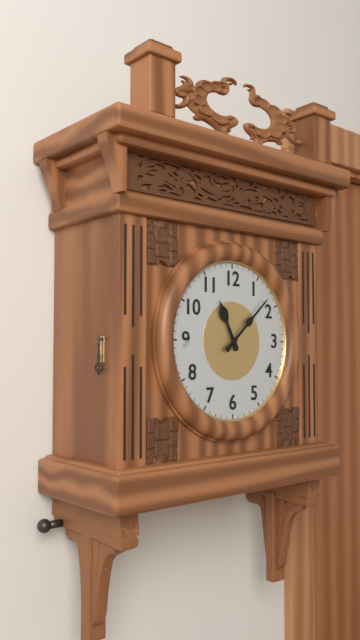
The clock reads h=11 m=8
